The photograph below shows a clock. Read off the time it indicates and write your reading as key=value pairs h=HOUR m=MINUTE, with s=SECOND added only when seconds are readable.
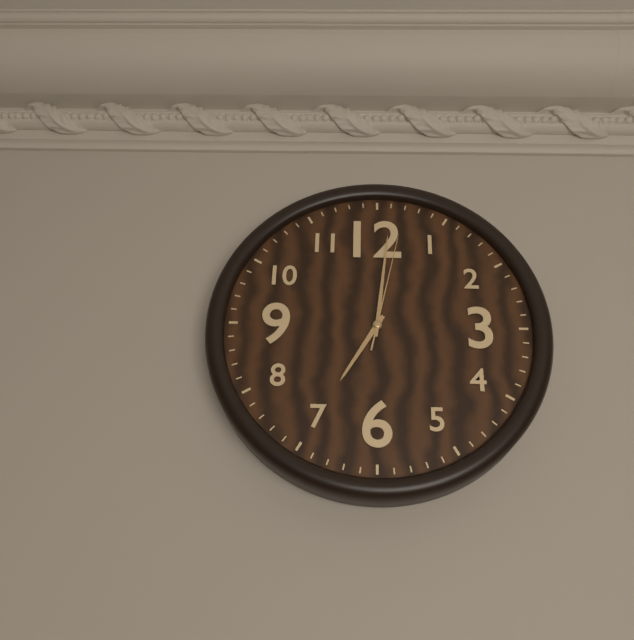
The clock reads h=7 m=1 s=2
